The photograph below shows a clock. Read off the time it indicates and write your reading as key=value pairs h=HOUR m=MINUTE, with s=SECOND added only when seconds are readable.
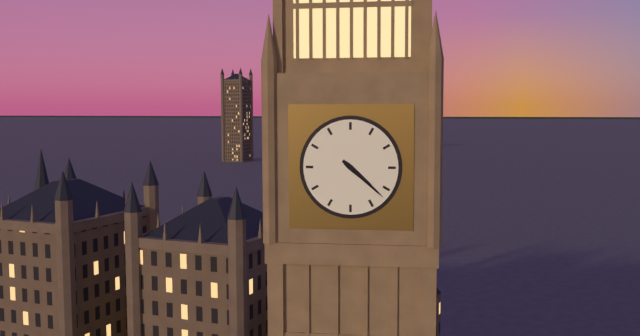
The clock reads h=4 m=22
